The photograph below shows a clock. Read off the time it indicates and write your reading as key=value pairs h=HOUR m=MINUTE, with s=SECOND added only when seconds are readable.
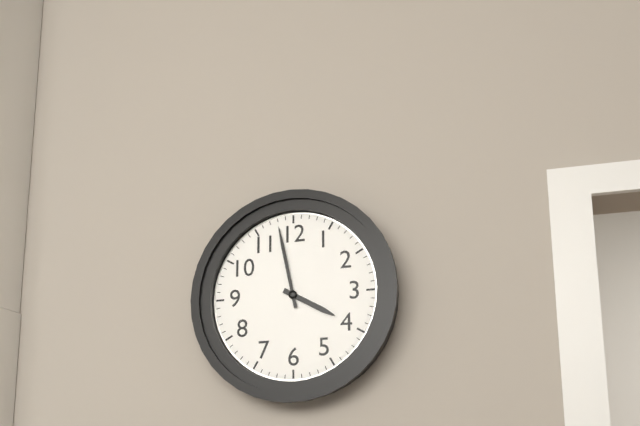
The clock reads h=3 m=58
